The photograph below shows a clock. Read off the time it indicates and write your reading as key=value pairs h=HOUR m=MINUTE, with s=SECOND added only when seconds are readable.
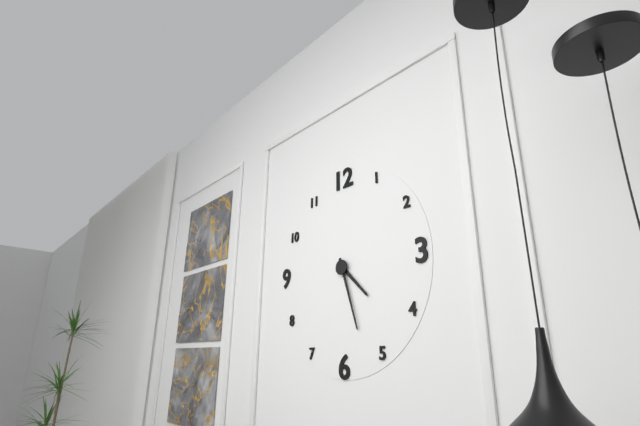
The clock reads h=4 m=27
